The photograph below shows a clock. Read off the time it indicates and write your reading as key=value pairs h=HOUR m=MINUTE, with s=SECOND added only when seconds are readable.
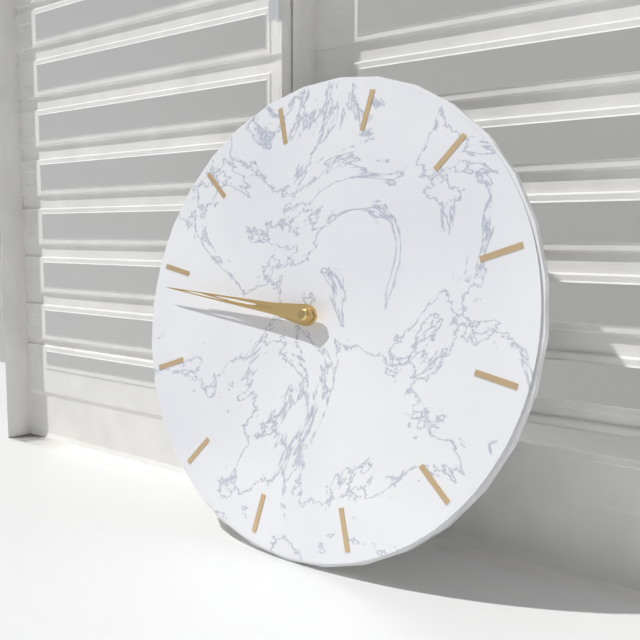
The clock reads h=9 m=49
